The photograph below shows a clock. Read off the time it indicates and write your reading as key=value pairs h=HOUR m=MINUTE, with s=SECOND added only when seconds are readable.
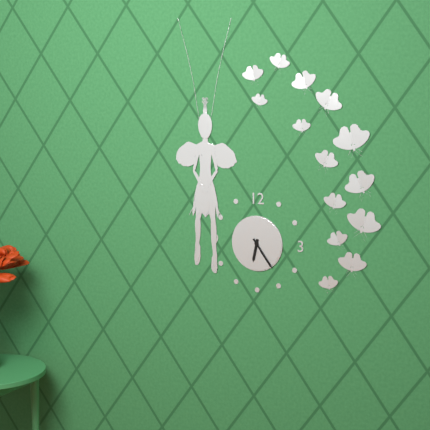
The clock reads h=6 m=24
